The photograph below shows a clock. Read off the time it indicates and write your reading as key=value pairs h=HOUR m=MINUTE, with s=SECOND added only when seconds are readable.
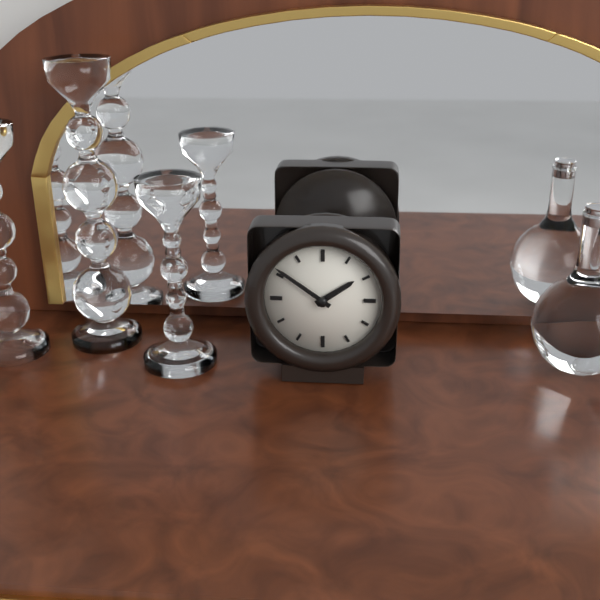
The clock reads h=1 m=51
